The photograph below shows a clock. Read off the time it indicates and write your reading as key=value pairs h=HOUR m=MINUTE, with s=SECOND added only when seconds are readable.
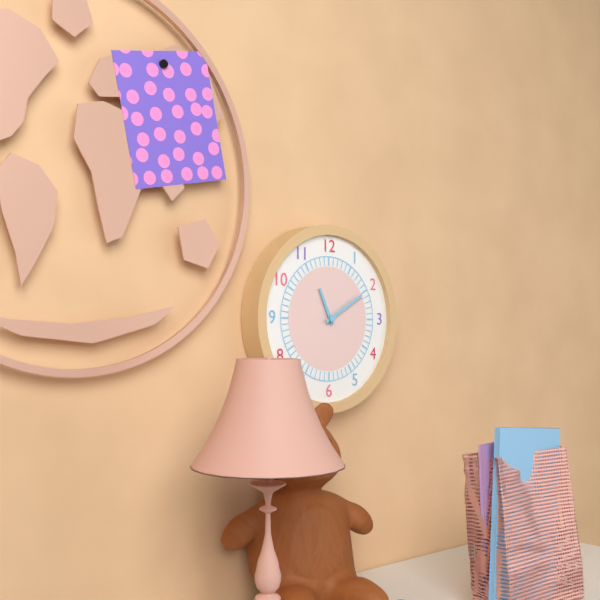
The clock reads h=11 m=10
